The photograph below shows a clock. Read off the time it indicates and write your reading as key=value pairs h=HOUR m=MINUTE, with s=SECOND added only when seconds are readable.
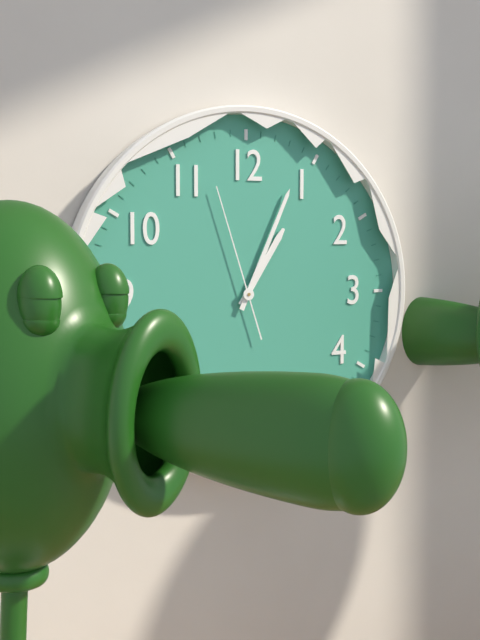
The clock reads h=1 m=4 s=57
